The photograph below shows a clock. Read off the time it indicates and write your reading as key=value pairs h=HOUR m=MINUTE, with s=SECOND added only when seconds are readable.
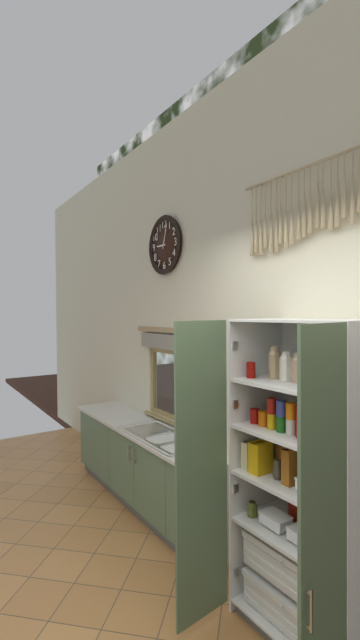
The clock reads h=9 m=3
